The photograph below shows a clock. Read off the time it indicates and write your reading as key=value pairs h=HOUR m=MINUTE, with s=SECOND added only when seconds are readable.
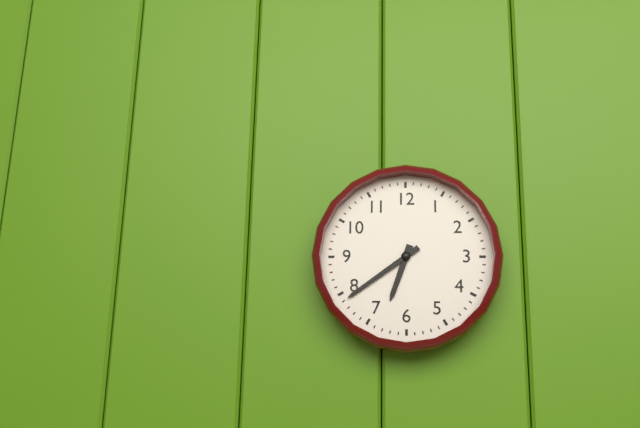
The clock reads h=6 m=39
